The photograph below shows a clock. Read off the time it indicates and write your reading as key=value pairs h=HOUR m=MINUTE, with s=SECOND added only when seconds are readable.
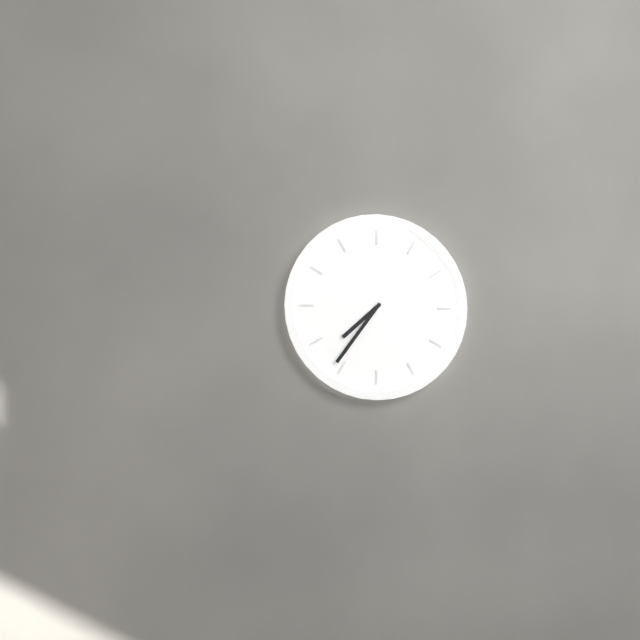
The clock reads h=7 m=36
